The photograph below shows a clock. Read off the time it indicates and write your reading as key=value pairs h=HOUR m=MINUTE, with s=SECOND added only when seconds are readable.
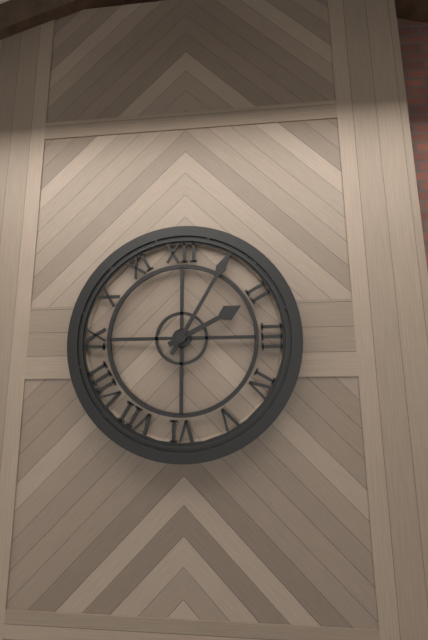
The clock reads h=2 m=5
